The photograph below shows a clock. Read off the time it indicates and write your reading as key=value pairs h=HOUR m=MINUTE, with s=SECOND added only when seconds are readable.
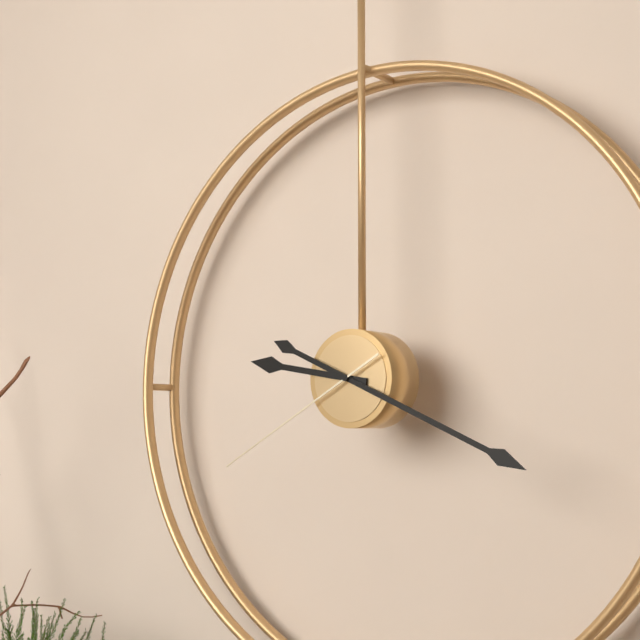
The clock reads h=9 m=19 s=40
